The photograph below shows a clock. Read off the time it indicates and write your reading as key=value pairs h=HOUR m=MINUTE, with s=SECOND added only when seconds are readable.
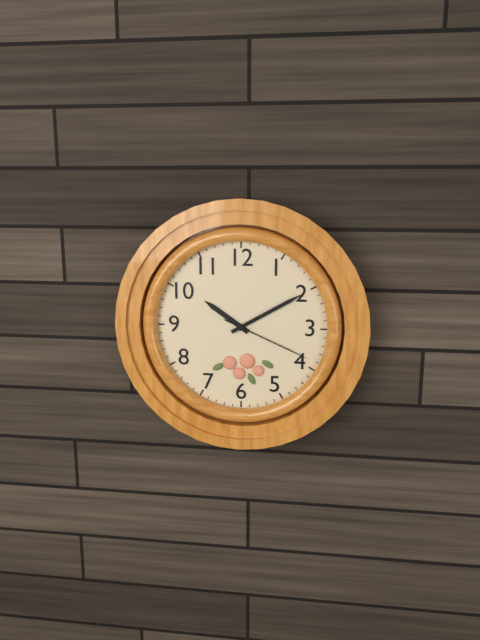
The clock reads h=10 m=10 s=19
